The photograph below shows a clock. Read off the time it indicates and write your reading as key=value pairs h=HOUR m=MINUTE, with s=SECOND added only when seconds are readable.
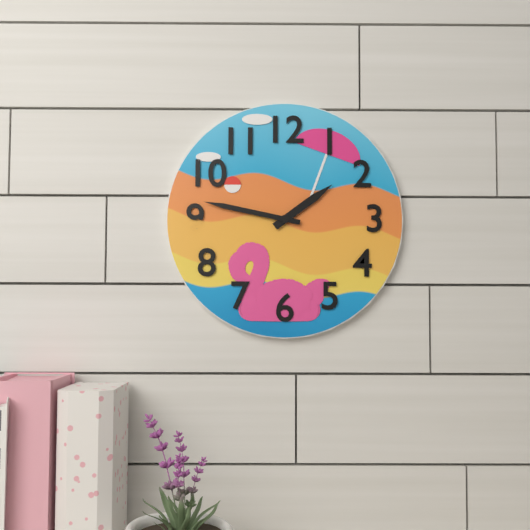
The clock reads h=1 m=47
